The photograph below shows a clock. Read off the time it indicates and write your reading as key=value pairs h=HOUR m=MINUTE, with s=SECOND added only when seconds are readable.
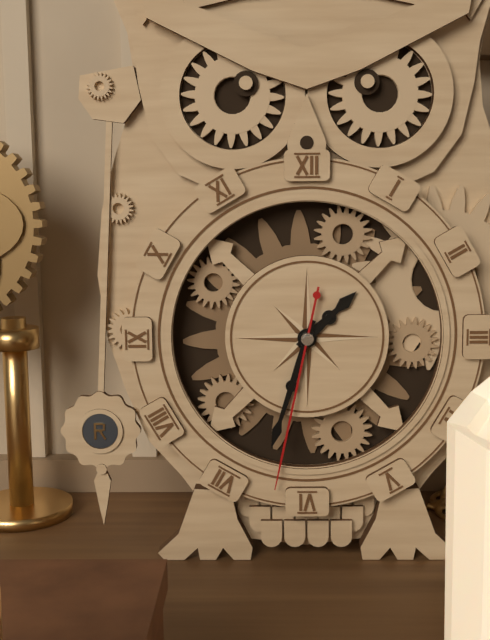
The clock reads h=1 m=33 s=32
